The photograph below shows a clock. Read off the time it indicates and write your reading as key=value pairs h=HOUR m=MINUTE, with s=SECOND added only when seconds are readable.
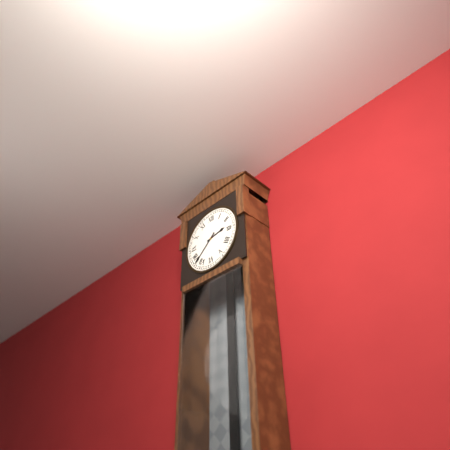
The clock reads h=2 m=38
